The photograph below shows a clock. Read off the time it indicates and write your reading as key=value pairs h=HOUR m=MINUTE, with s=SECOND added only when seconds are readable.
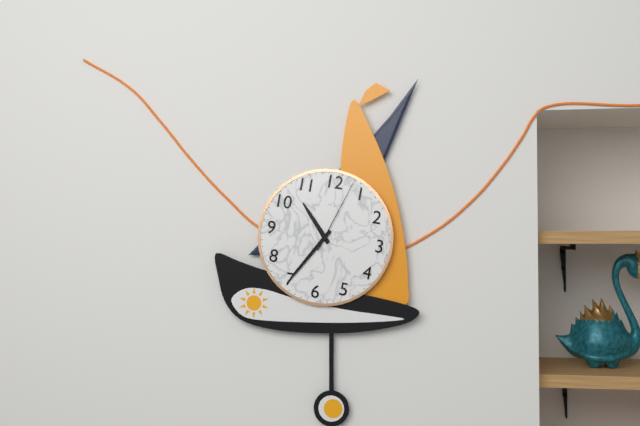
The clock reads h=10 m=35 s=3
